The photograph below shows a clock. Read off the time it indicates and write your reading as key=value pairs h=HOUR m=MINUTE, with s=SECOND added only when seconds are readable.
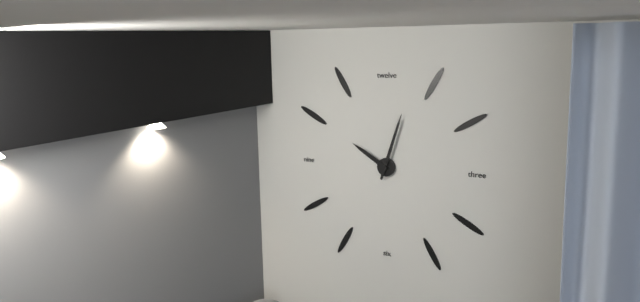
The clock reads h=10 m=3
